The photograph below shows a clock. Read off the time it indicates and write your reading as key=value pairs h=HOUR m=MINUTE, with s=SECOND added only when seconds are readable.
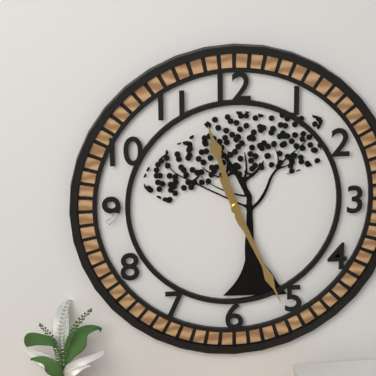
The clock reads h=11 m=26
